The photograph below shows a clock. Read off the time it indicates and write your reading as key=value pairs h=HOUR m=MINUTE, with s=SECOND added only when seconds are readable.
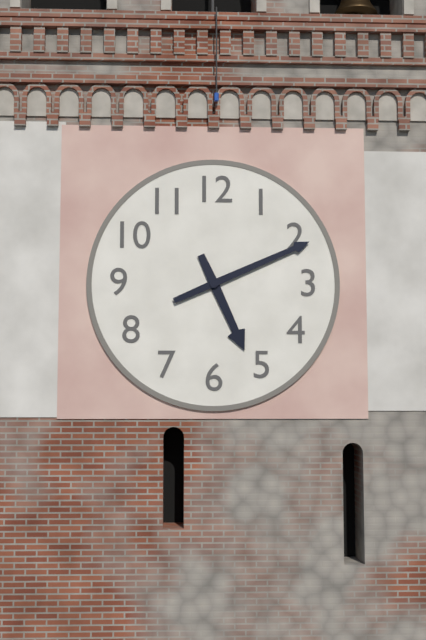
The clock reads h=5 m=11
